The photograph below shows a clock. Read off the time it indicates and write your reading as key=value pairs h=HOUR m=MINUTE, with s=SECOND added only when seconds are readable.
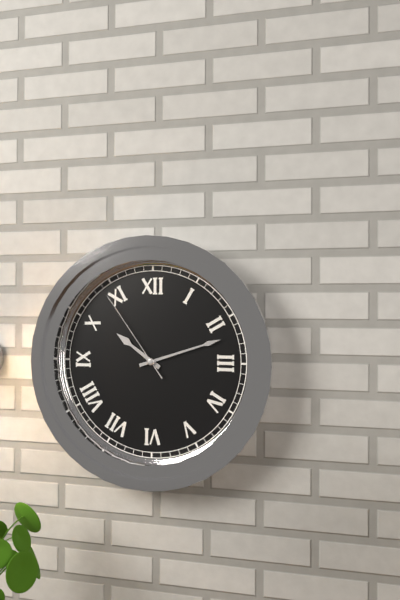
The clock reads h=10 m=12 s=54
